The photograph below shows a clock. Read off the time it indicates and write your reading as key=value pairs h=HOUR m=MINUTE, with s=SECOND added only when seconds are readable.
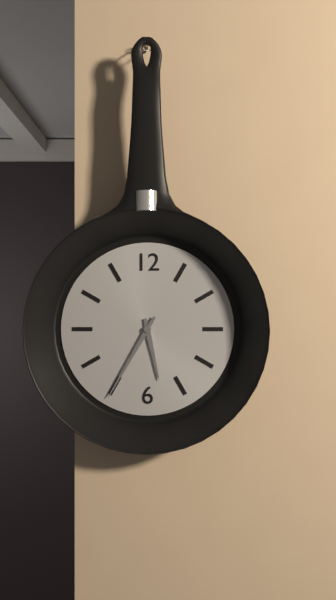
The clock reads h=5 m=35
